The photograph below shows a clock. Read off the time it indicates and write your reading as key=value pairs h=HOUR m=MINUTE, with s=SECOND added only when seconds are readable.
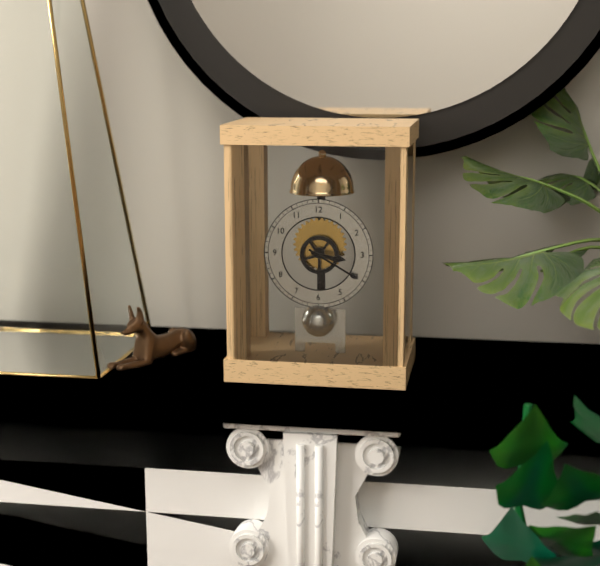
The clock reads h=3 m=20
